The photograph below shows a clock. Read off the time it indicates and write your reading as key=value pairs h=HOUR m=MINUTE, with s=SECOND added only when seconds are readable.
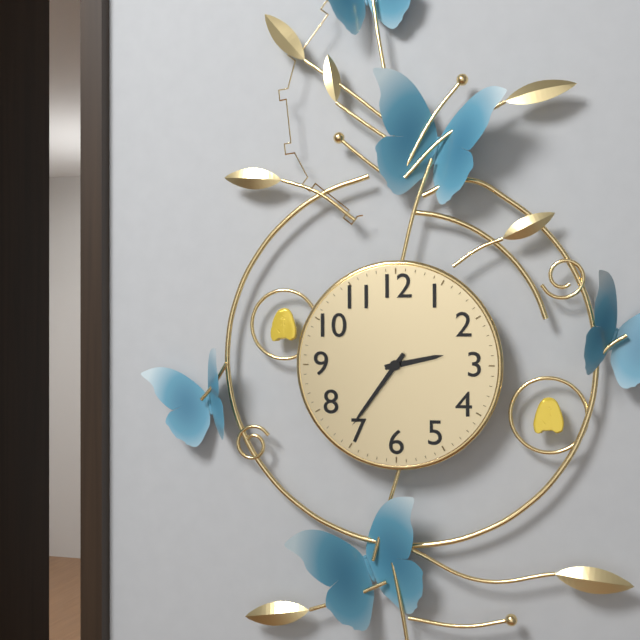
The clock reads h=2 m=36
